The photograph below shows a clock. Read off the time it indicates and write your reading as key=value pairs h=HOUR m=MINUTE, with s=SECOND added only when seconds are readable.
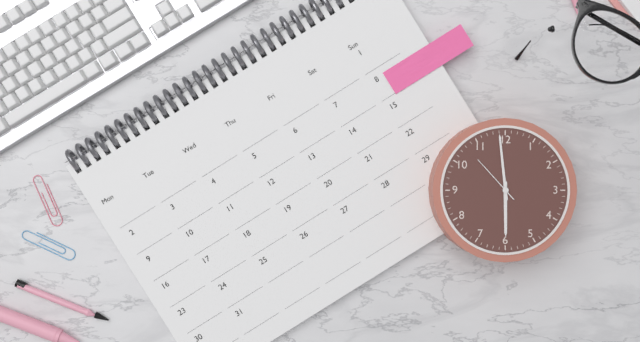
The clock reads h=5 m=59
